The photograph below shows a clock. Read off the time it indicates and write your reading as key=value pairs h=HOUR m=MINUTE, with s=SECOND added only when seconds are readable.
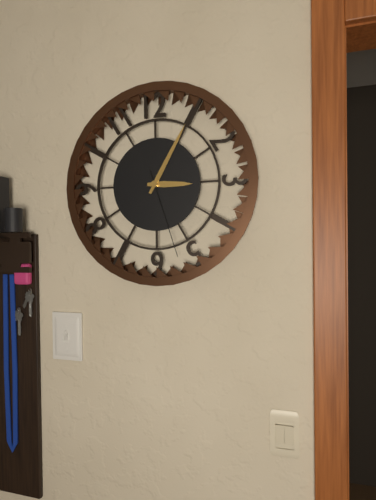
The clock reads h=3 m=5 s=27
